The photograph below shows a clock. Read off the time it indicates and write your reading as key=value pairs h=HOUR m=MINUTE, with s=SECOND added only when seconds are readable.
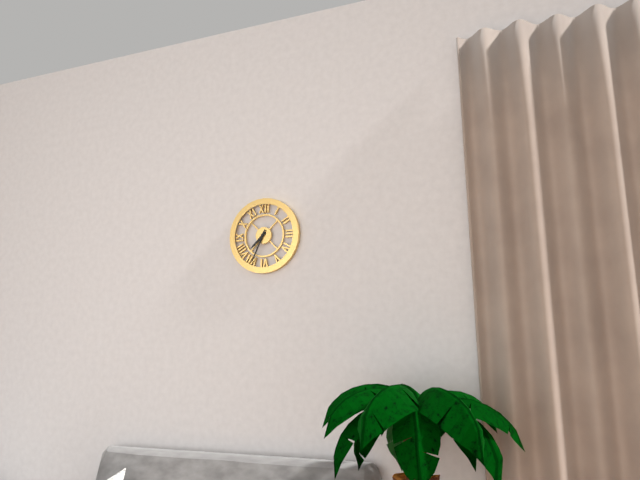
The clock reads h=7 m=34
